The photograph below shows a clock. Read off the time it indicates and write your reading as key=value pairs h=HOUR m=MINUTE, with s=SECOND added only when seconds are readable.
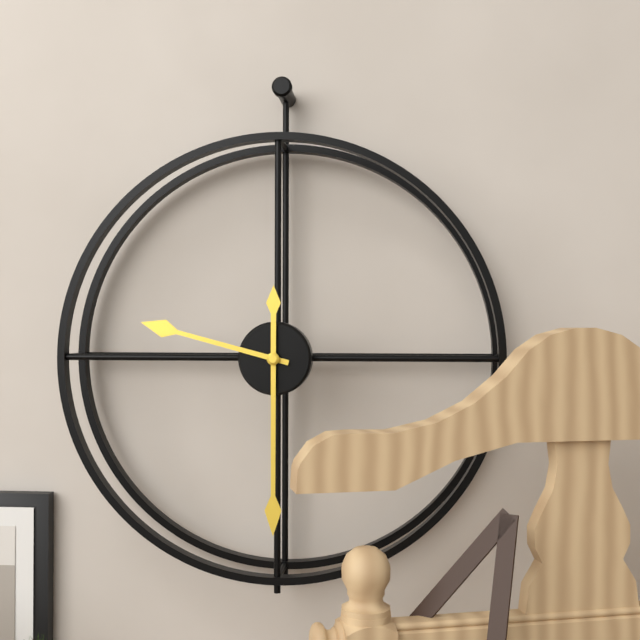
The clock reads h=9 m=30
